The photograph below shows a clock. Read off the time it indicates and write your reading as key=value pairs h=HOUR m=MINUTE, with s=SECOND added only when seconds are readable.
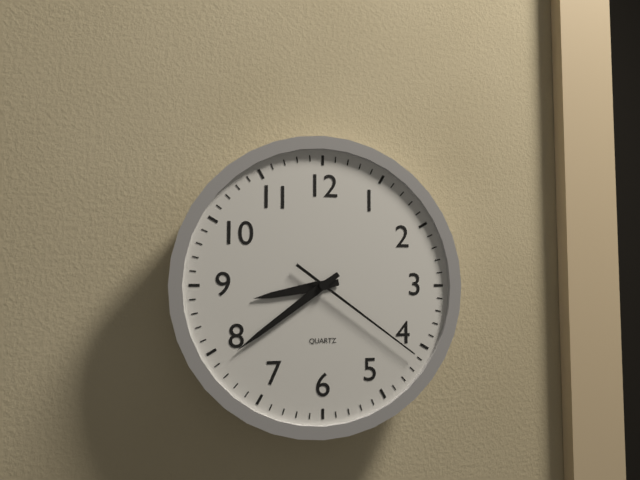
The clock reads h=8 m=39 s=21
